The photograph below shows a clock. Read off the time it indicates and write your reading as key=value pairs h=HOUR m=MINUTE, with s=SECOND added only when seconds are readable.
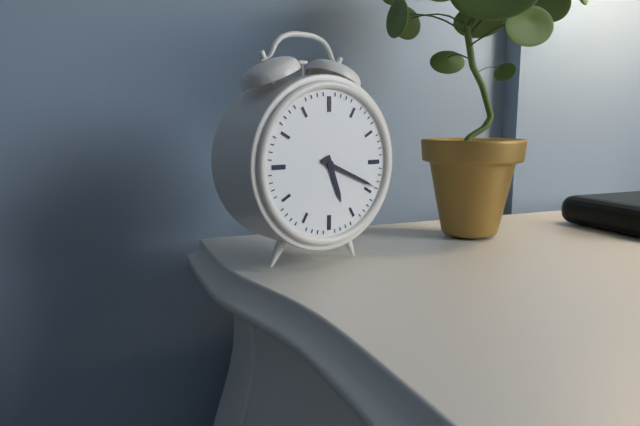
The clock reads h=5 m=19
